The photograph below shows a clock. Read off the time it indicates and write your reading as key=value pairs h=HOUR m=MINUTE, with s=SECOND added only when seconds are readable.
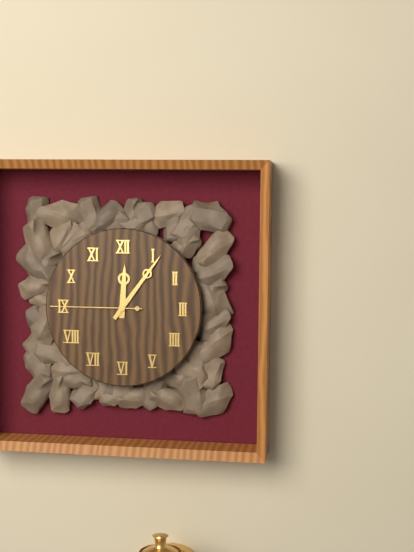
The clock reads h=12 m=6 s=45
